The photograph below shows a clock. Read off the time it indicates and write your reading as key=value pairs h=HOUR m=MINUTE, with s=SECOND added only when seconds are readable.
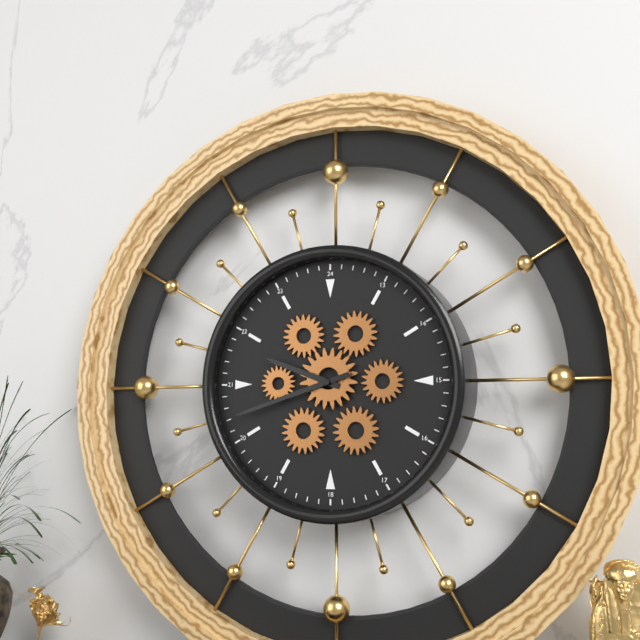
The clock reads h=9 m=42
